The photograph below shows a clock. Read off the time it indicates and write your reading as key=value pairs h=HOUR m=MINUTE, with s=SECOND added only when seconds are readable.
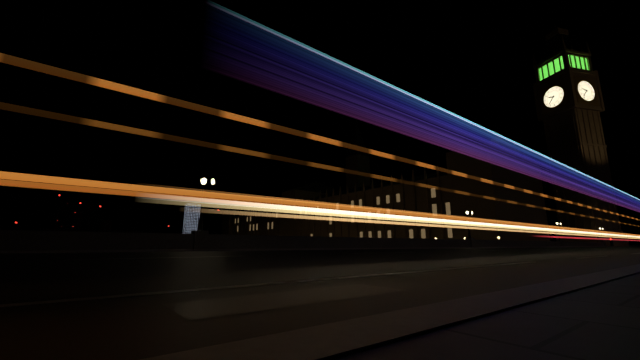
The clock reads h=9 m=37
